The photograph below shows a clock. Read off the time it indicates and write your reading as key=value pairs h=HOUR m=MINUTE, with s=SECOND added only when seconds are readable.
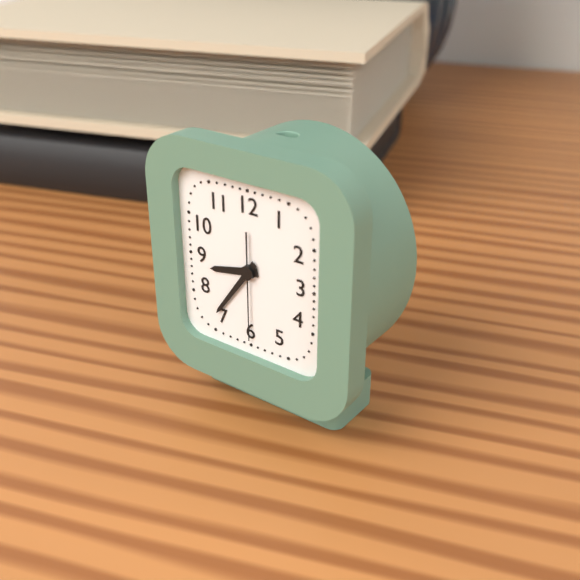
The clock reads h=8 m=36 s=30
